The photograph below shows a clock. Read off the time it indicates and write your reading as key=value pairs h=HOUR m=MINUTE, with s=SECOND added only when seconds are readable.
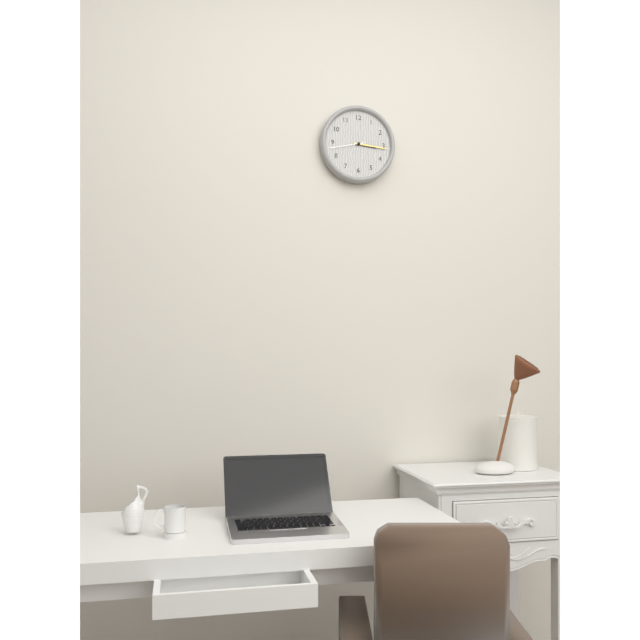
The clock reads h=3 m=16
